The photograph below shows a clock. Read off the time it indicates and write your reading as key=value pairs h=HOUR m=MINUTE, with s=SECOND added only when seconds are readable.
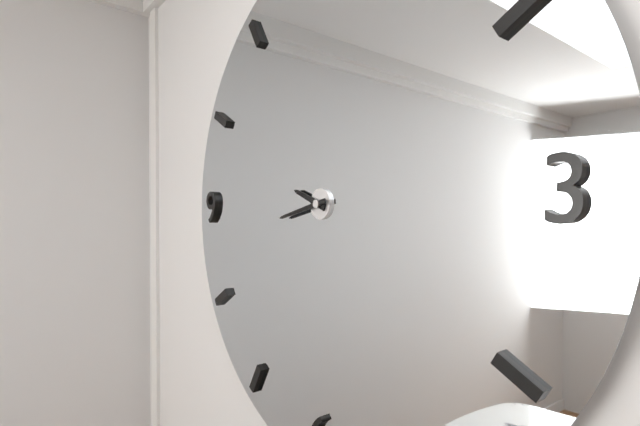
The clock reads h=9 m=43
